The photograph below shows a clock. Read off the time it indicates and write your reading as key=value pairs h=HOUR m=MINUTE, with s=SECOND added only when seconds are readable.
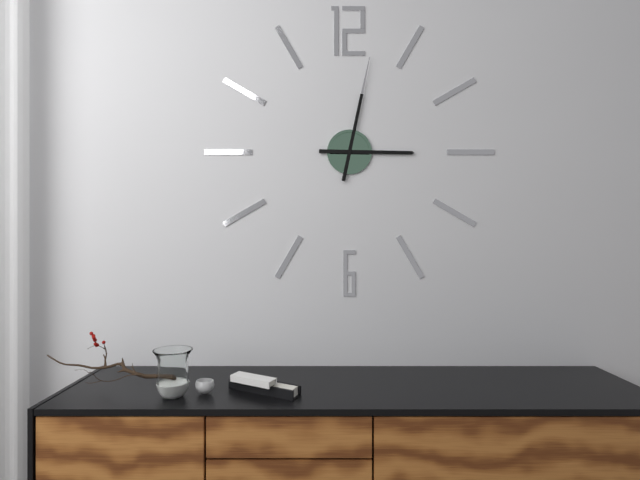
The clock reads h=3 m=2
